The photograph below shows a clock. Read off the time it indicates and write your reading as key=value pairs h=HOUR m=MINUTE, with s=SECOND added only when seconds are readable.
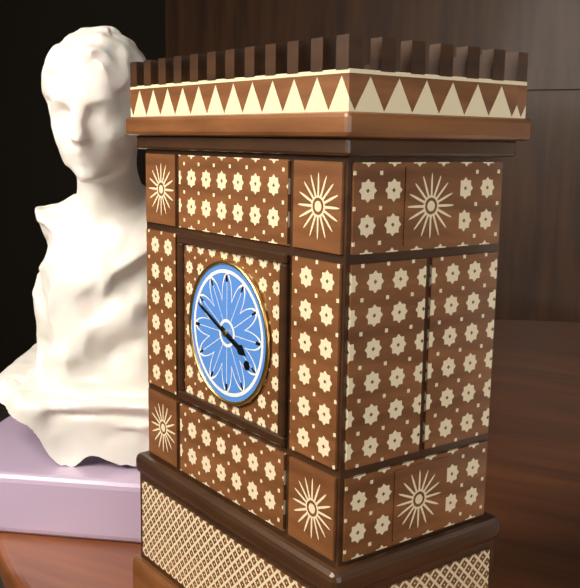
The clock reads h=3 m=49
